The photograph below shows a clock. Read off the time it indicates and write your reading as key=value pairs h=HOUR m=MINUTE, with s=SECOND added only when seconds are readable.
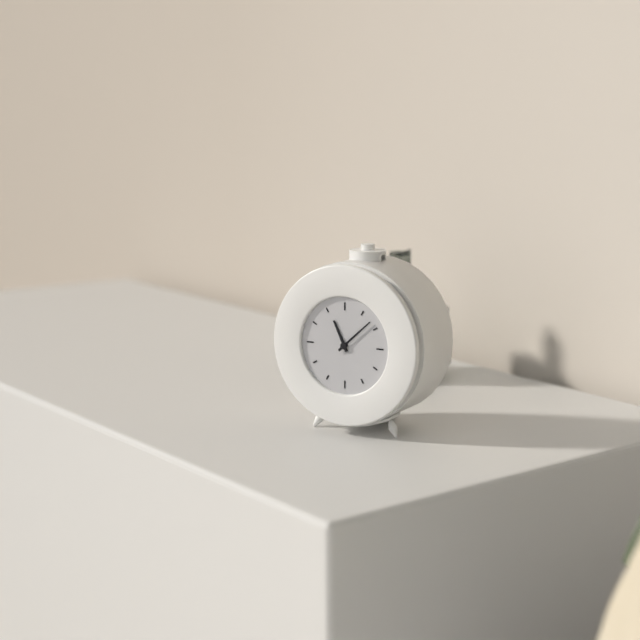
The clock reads h=11 m=8
